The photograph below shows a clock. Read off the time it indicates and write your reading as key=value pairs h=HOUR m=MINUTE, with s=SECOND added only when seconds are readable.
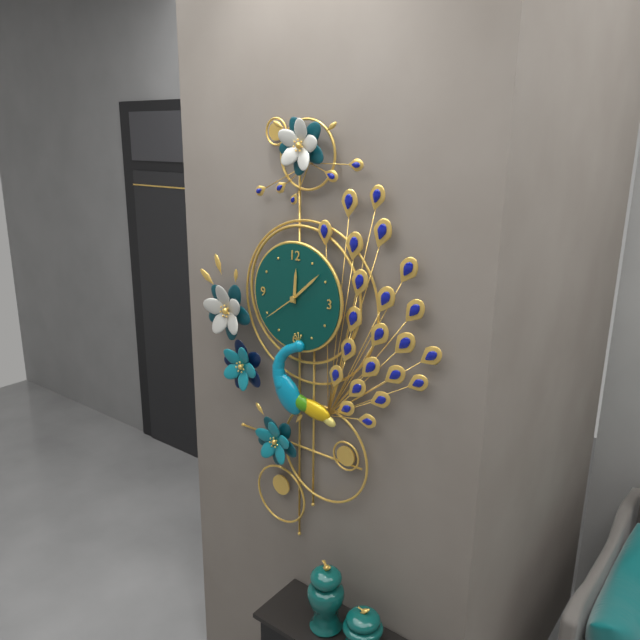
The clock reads h=12 m=8
